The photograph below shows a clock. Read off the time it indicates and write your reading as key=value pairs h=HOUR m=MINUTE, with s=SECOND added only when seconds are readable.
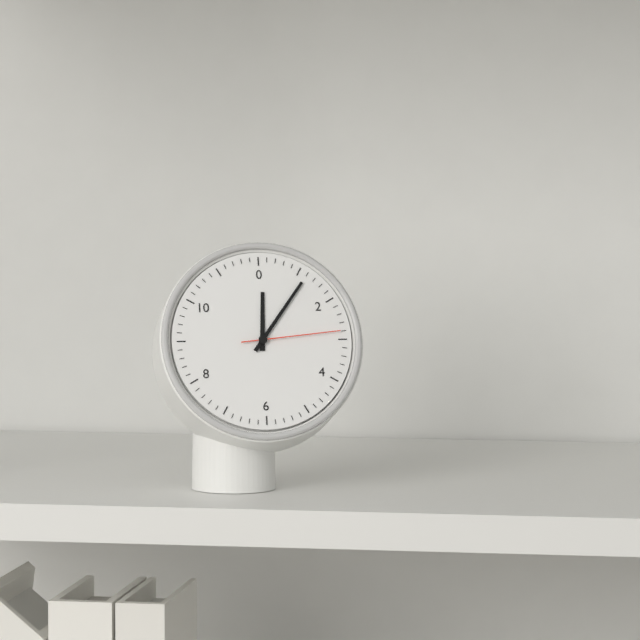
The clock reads h=12 m=6 s=14
